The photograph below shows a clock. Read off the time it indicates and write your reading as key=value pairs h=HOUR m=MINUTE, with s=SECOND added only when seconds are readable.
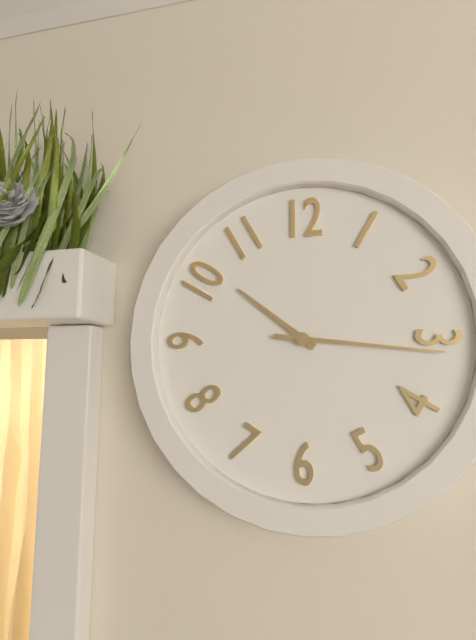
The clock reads h=10 m=16
